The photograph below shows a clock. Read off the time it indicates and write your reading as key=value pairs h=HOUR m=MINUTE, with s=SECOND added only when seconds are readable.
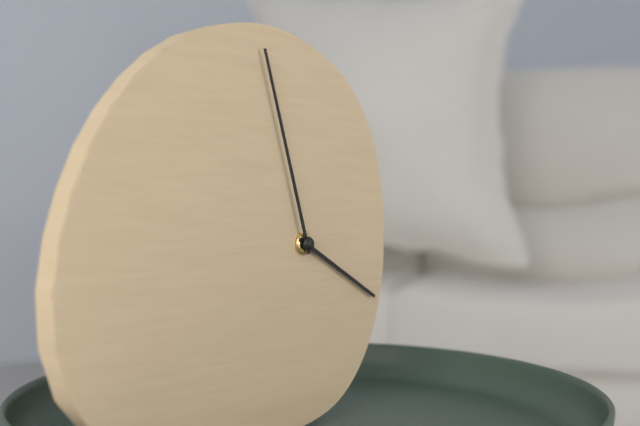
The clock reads h=3 m=57
